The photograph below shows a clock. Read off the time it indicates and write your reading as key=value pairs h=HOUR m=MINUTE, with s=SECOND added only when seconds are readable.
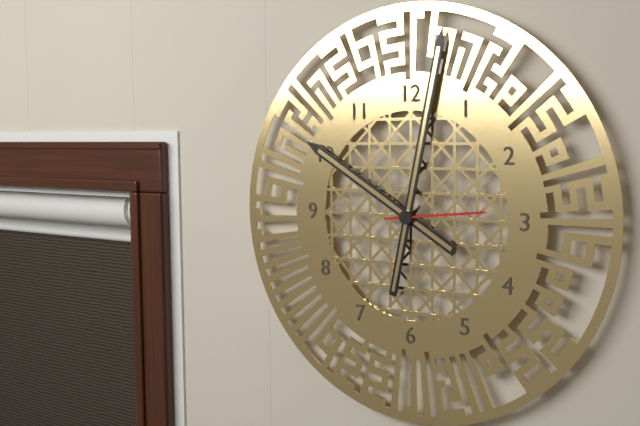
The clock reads h=10 m=2 s=14
